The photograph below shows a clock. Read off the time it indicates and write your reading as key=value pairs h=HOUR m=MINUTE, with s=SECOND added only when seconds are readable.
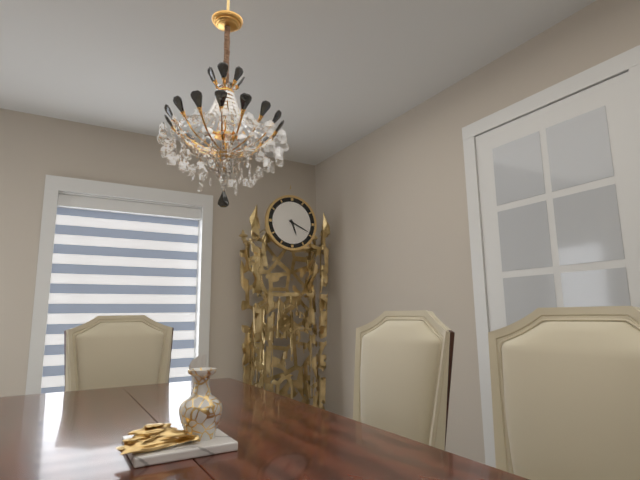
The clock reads h=5 m=19
